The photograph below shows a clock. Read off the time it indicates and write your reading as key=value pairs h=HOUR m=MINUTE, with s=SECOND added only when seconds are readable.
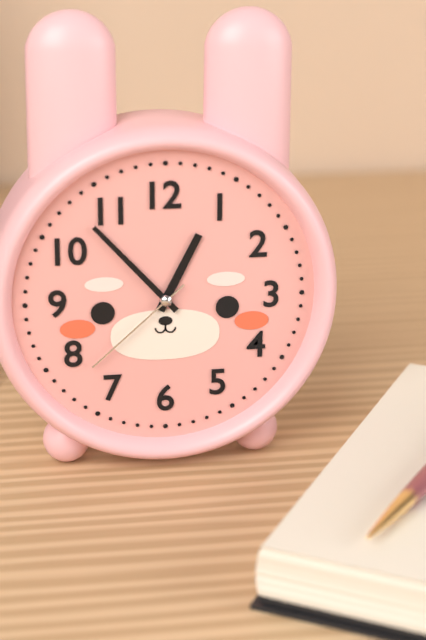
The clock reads h=12 m=53 s=38
